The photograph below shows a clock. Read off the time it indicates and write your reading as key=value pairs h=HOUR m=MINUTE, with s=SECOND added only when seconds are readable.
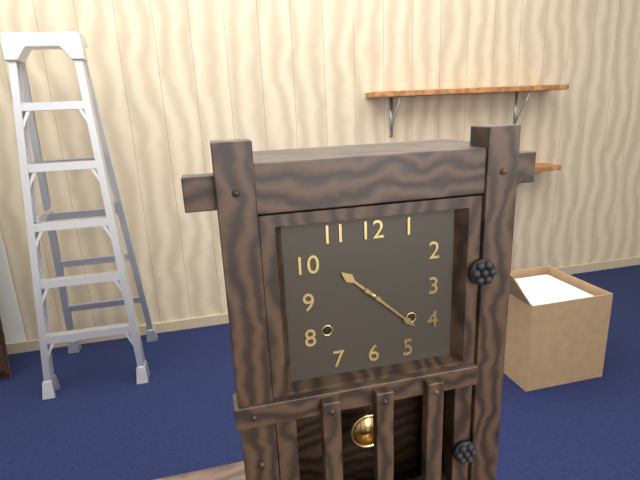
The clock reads h=10 m=22
